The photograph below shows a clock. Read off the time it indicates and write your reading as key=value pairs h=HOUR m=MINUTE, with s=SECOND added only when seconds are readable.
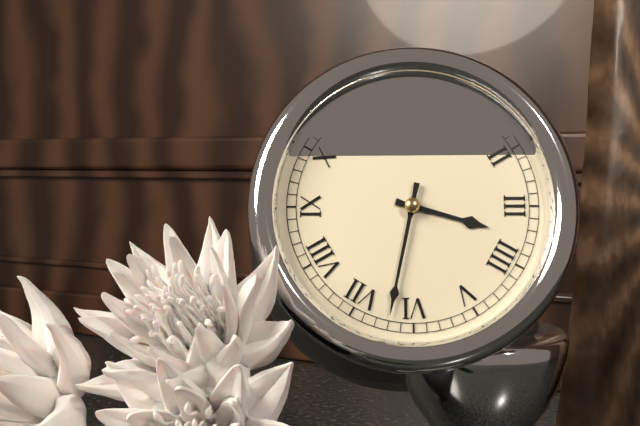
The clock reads h=3 m=32
